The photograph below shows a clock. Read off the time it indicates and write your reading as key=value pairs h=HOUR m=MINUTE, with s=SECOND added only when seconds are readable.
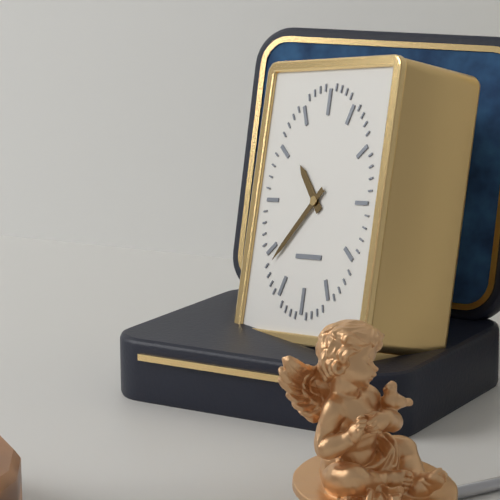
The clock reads h=10 m=37
